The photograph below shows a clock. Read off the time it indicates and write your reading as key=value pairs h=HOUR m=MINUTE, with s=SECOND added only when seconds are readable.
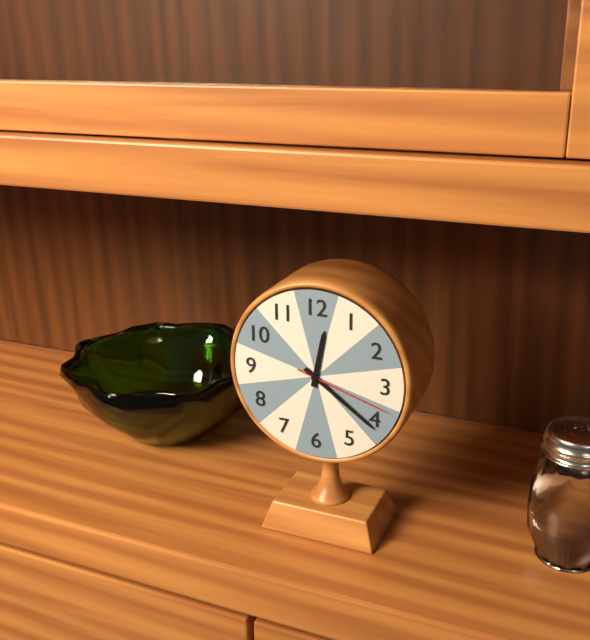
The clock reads h=12 m=21 s=18
